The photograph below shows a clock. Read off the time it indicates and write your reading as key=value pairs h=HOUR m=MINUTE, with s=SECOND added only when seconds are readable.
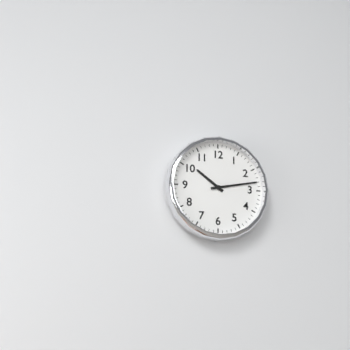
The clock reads h=10 m=13
